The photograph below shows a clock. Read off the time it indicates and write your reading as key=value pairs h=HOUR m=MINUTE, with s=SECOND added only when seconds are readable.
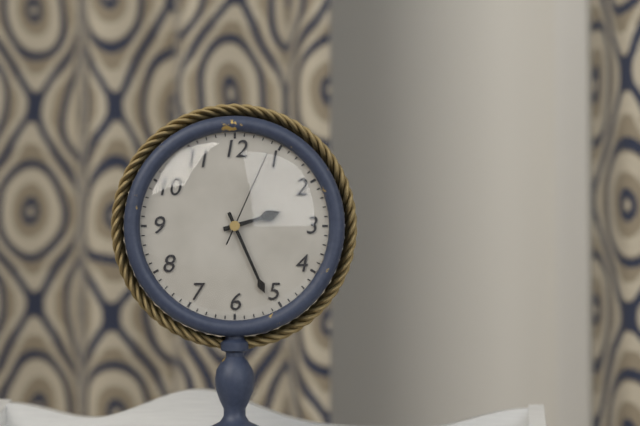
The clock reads h=2 m=26 s=4
